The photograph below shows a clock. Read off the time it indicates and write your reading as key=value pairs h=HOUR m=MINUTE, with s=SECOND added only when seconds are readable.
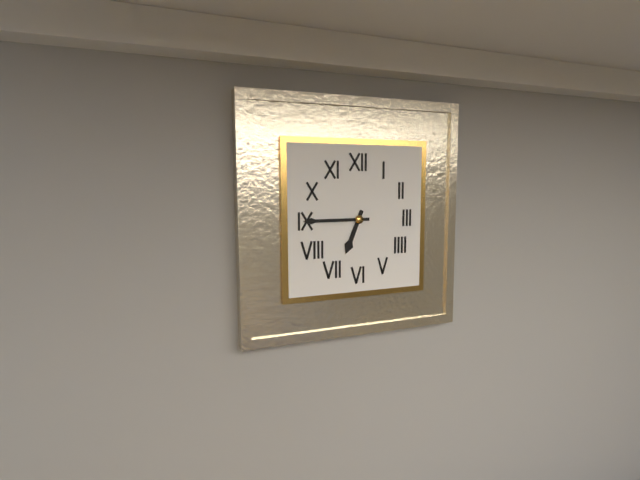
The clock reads h=6 m=45
